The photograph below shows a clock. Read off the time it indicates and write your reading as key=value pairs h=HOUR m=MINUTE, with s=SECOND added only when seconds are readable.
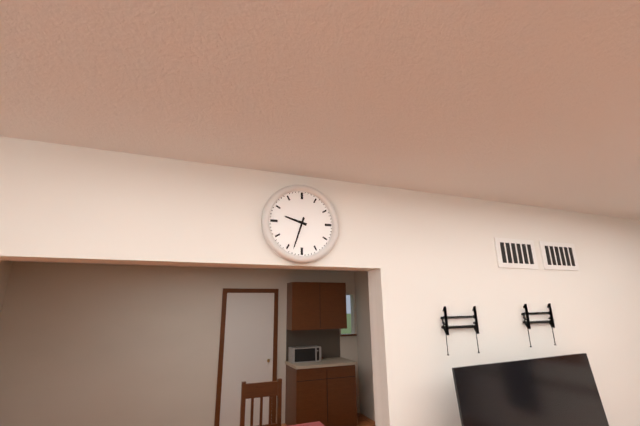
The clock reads h=9 m=33
